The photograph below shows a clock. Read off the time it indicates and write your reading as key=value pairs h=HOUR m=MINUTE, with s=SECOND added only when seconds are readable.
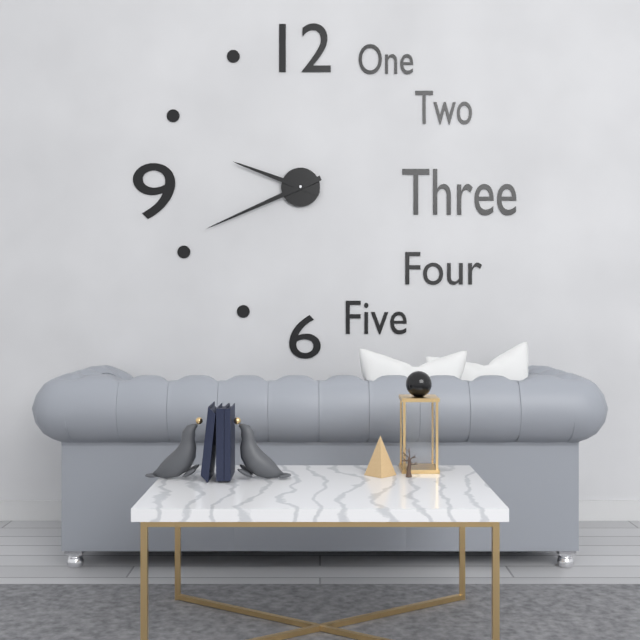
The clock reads h=9 m=41
